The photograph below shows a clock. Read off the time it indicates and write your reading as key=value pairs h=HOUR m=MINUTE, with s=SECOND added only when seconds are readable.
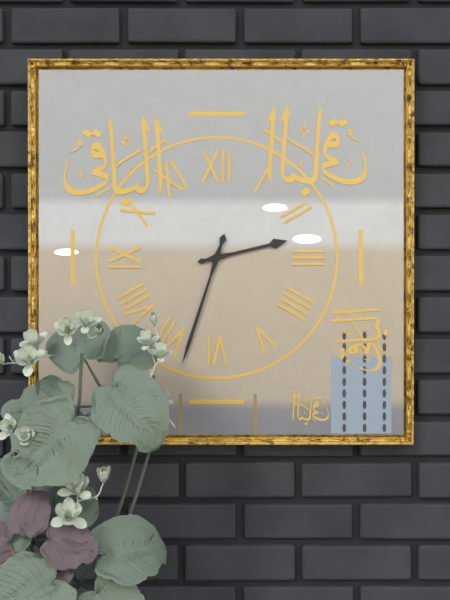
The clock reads h=2 m=33
